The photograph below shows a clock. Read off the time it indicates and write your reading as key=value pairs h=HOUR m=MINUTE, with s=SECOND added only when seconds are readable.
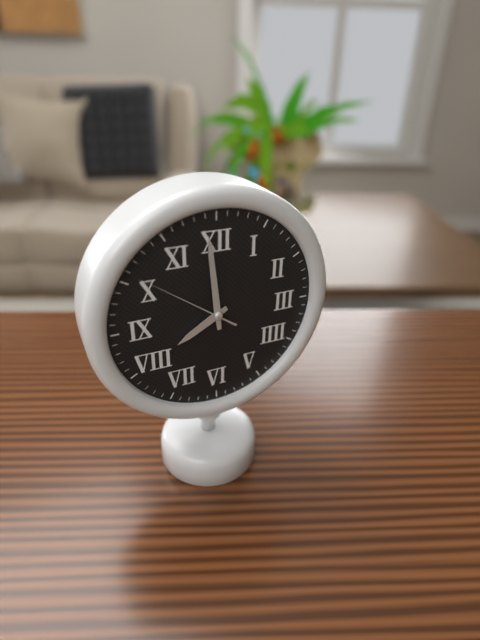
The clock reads h=7 m=59 s=51
